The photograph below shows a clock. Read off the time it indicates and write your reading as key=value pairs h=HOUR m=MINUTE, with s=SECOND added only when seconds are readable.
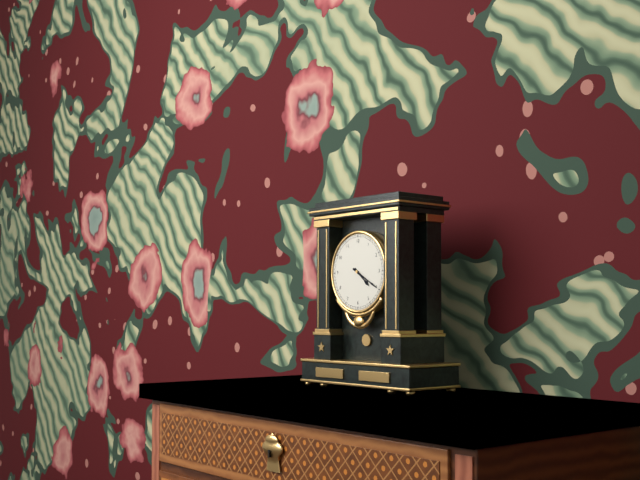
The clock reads h=4 m=20
